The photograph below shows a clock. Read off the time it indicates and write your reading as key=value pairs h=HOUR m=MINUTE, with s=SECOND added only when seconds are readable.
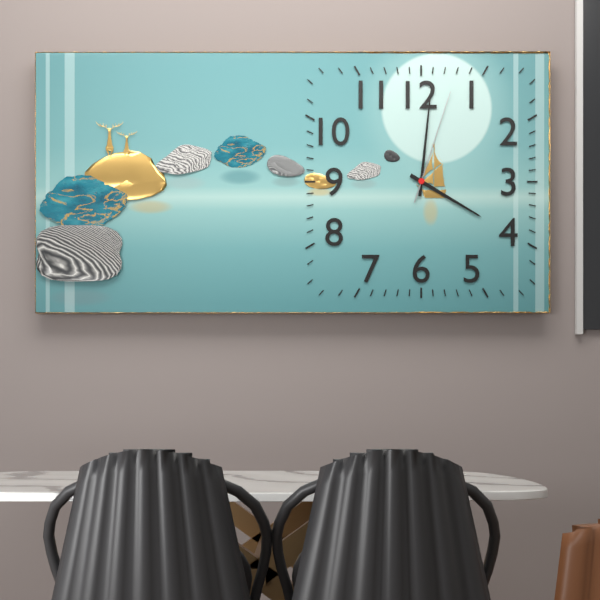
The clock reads h=4 m=1 s=3
